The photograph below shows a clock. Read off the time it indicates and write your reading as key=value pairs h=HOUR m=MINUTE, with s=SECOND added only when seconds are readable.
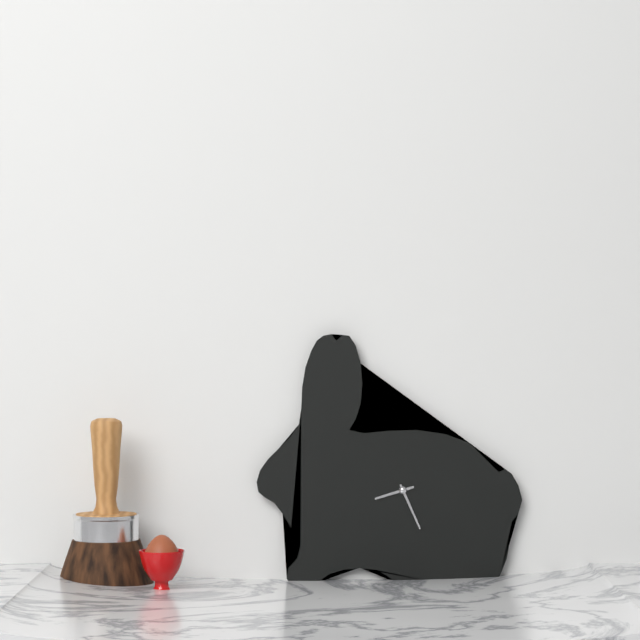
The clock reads h=8 m=26
